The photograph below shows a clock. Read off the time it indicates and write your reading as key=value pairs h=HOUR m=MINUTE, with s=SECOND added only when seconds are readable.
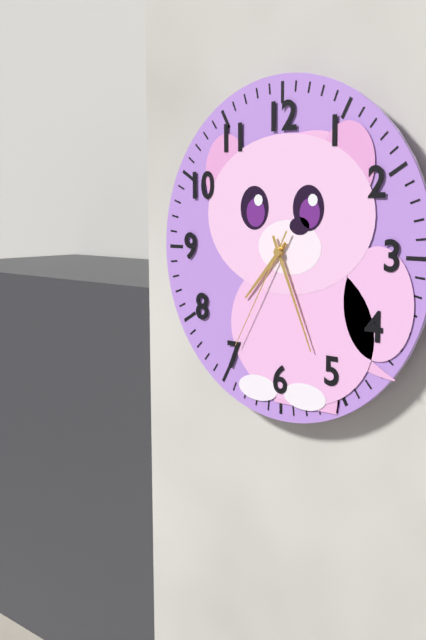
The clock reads h=7 m=26 s=35
